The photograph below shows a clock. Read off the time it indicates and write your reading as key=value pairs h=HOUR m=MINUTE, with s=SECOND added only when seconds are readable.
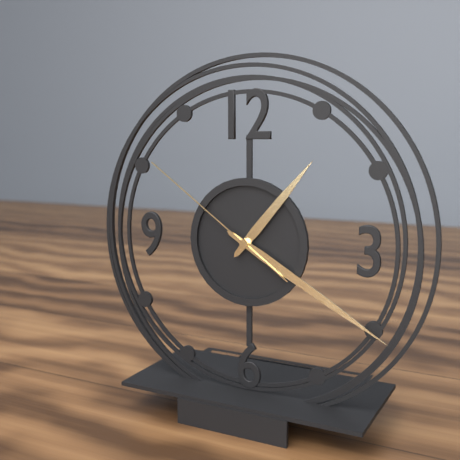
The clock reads h=1 m=20 s=51
